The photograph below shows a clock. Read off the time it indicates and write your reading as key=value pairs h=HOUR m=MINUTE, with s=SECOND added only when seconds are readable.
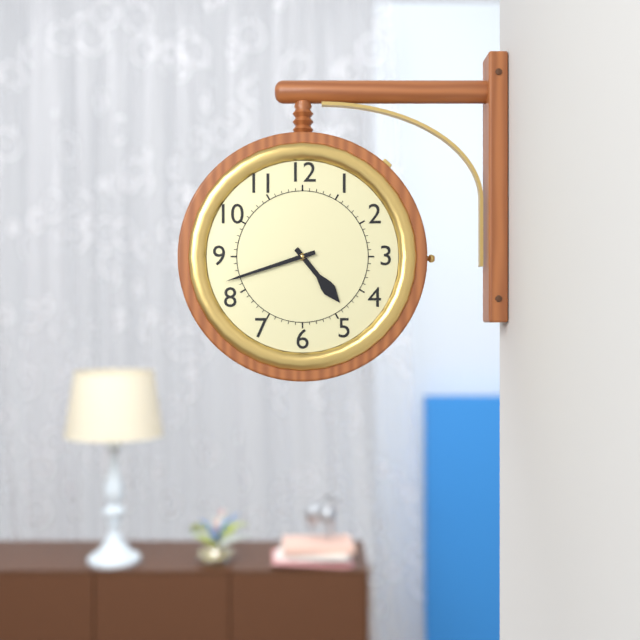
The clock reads h=4 m=42
